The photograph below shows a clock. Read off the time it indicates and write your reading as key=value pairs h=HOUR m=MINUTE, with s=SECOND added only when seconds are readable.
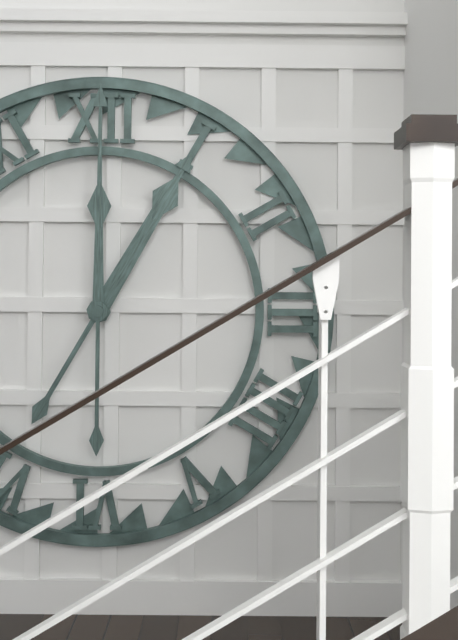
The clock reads h=1 m=0
